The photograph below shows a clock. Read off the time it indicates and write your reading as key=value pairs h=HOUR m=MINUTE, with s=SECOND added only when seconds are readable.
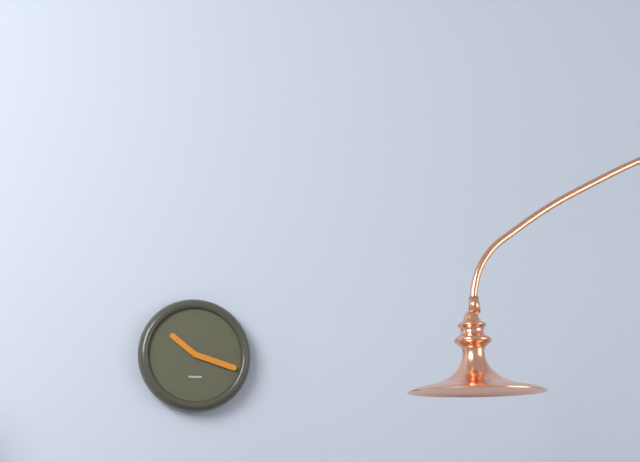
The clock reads h=10 m=18
